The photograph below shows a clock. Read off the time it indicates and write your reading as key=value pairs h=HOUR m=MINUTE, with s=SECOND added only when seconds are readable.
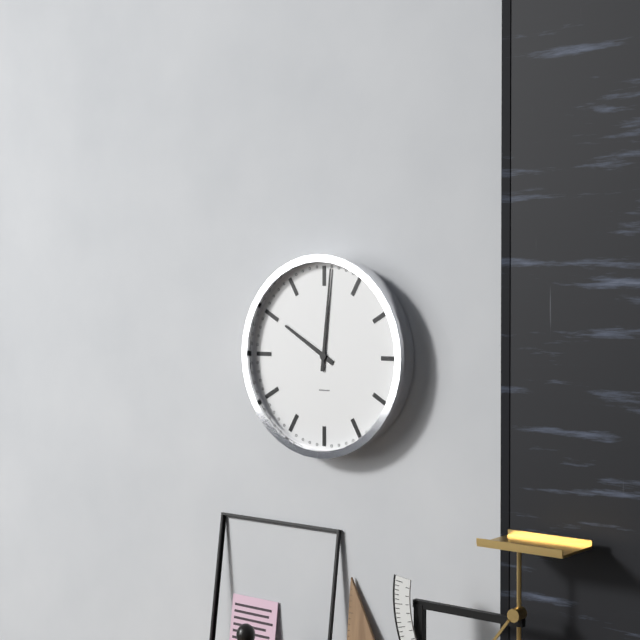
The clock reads h=10 m=1
